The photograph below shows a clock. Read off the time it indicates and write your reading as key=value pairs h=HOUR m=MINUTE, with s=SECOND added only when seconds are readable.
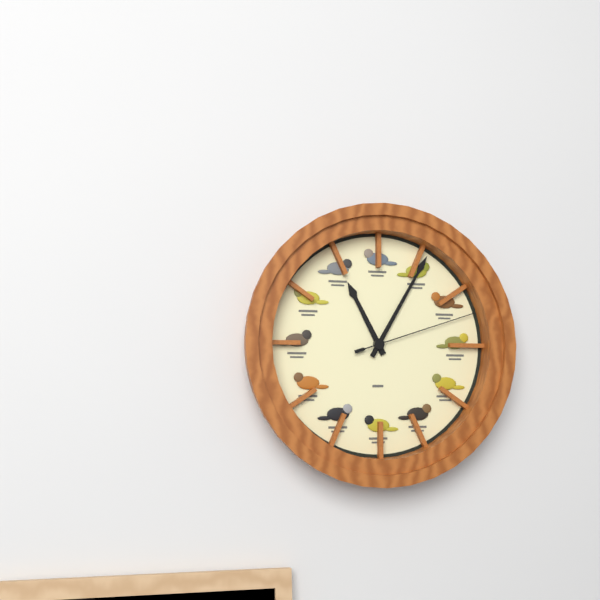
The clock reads h=11 m=5 s=12
